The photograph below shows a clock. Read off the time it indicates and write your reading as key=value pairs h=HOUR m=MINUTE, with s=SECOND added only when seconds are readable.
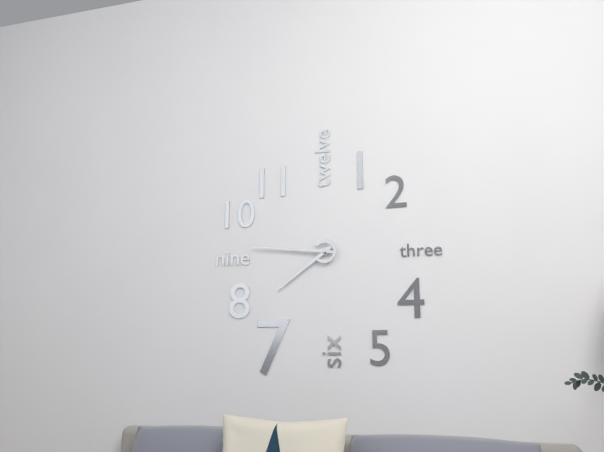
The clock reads h=7 m=46
